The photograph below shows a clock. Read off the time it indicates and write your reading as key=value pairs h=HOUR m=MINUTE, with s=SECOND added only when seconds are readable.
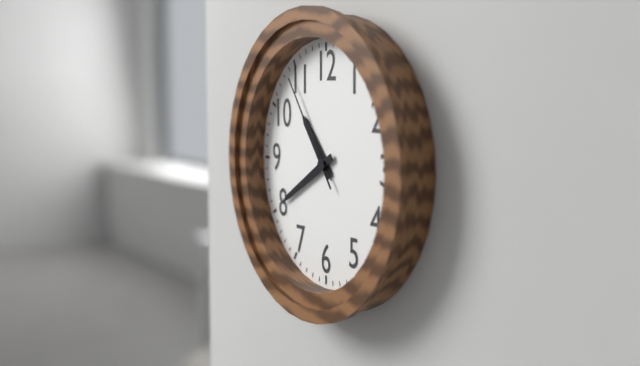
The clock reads h=10 m=40 s=54
